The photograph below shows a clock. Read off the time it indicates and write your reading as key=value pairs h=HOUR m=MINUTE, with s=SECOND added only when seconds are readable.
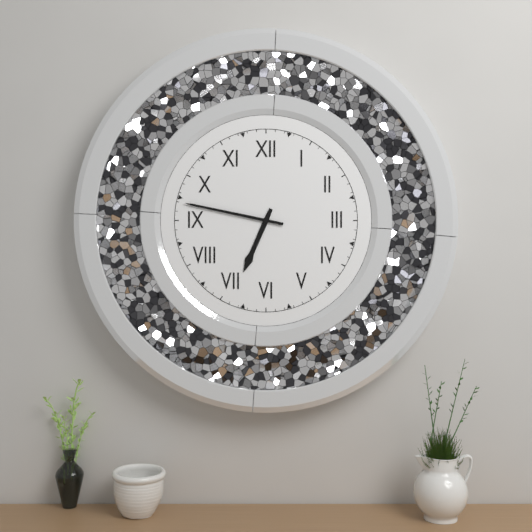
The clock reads h=6 m=47
